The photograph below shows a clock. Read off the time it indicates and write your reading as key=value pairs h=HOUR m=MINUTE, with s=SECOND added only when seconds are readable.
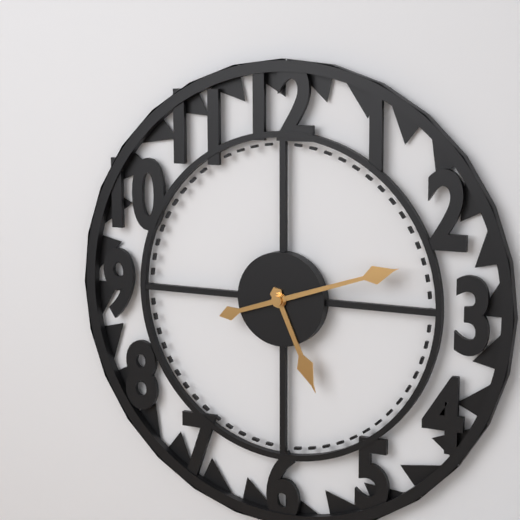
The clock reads h=5 m=12
